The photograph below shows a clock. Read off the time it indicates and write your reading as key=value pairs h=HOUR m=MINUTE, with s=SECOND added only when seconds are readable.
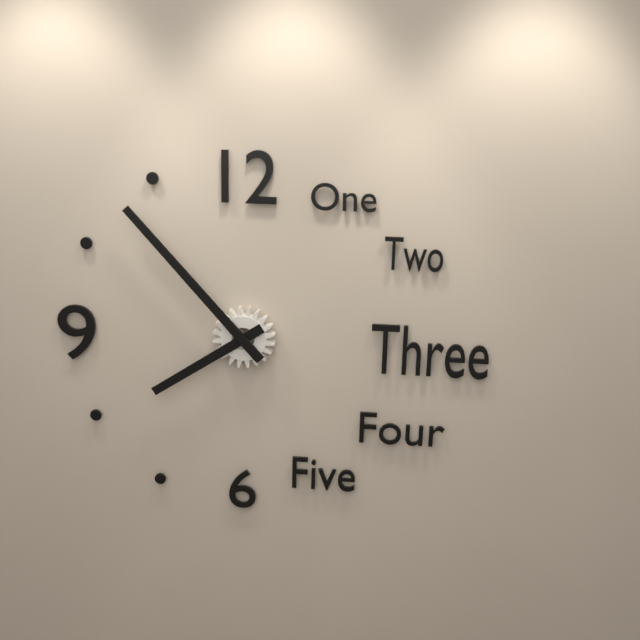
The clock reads h=7 m=53
